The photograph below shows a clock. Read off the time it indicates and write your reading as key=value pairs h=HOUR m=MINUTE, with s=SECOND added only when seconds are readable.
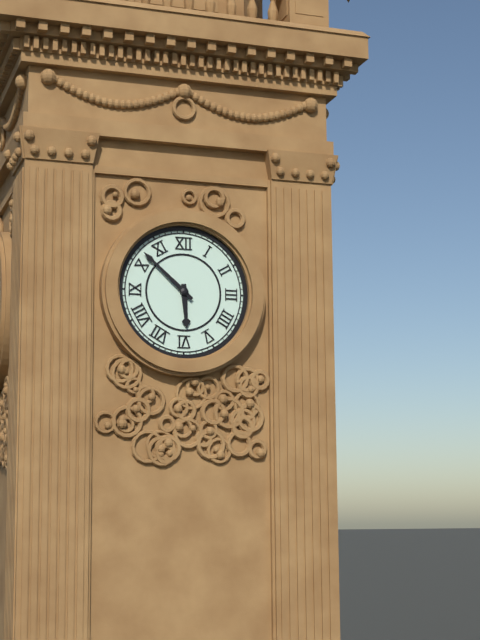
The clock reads h=5 m=52
